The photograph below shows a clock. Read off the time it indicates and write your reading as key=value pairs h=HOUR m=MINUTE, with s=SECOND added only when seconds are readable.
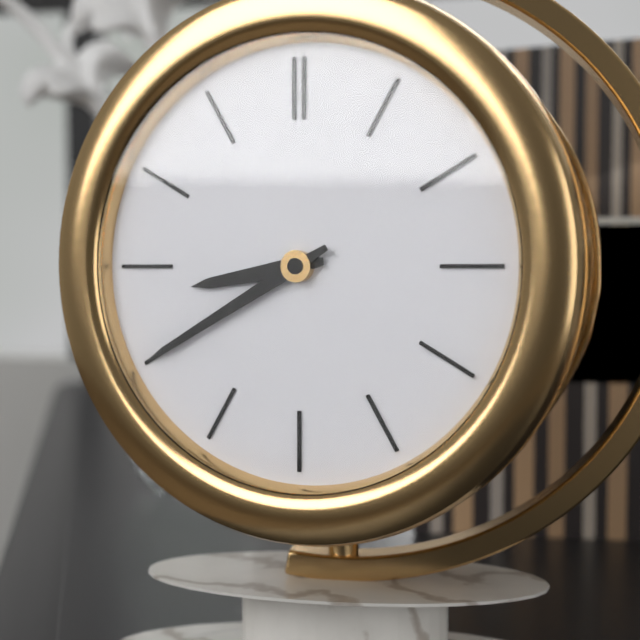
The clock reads h=8 m=40
